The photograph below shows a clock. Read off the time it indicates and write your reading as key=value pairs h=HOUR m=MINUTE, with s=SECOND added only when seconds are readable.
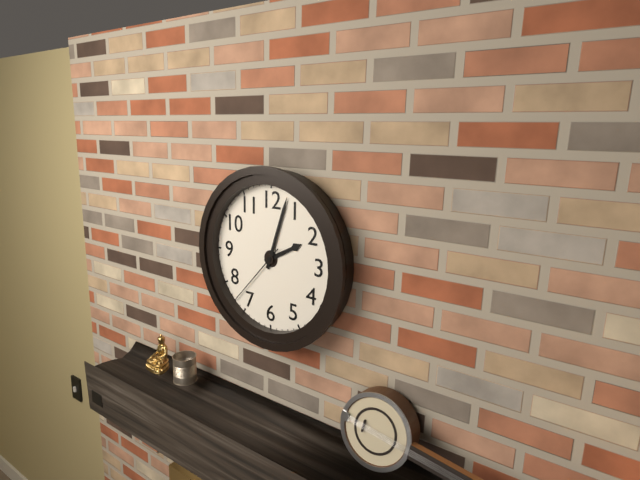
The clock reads h=2 m=3 s=37
